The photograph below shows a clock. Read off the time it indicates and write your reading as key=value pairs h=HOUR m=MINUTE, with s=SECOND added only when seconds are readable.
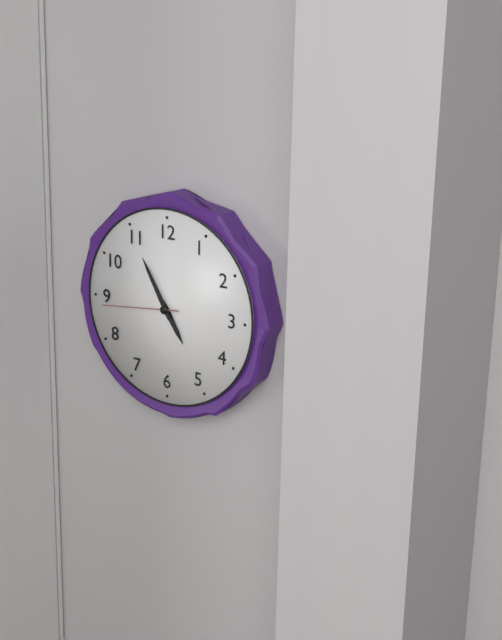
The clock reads h=4 m=55 s=44
